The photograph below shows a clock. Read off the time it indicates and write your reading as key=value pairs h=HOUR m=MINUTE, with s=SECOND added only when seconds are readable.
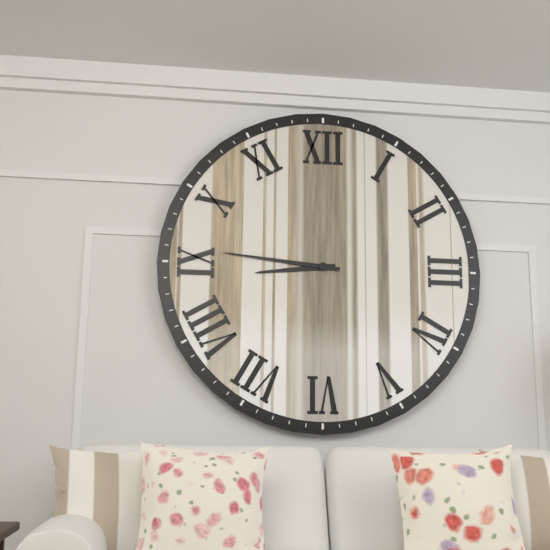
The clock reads h=8 m=46
